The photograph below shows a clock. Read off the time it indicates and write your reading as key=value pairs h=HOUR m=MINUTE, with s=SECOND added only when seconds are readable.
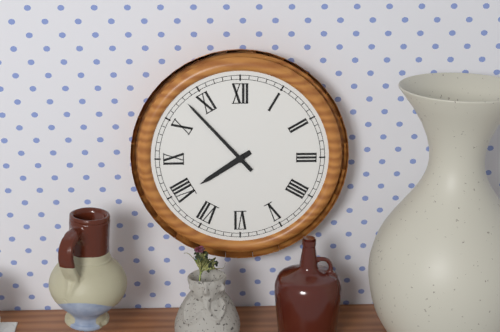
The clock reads h=7 m=53
